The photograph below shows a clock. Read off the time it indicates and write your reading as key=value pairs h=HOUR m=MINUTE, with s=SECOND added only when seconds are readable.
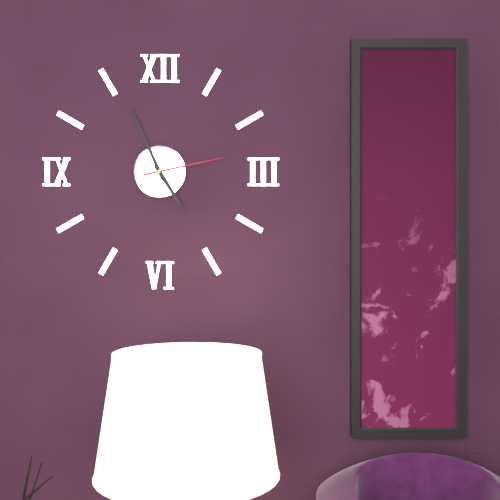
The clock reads h=4 m=56 s=13
